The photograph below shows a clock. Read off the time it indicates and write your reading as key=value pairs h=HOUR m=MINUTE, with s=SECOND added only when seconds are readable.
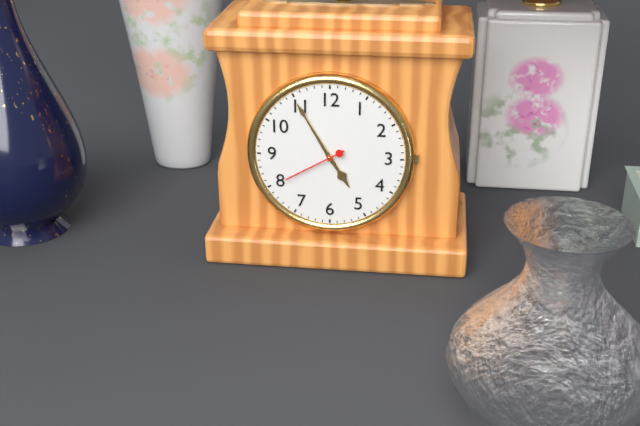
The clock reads h=4 m=55 s=40
